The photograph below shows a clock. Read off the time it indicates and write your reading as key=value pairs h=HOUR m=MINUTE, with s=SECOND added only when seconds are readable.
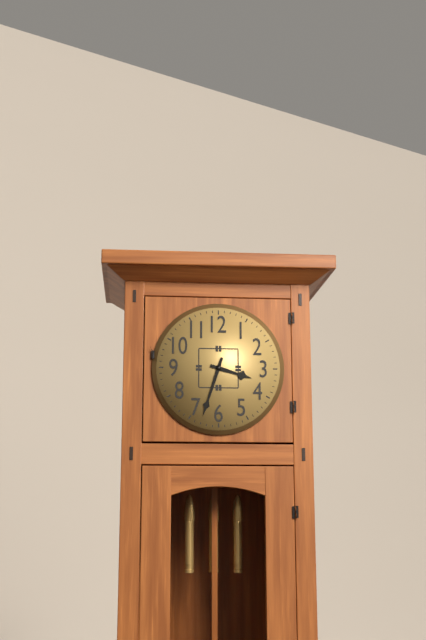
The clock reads h=3 m=33
